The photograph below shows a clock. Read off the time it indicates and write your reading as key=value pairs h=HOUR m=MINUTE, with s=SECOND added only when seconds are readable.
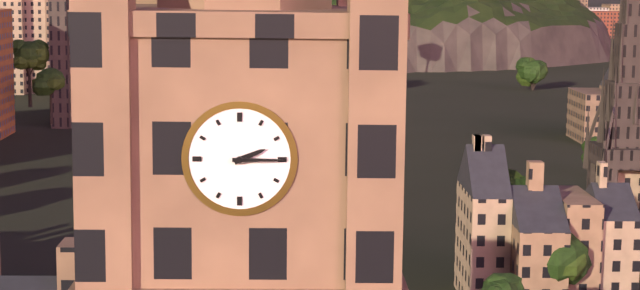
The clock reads h=2 m=15
